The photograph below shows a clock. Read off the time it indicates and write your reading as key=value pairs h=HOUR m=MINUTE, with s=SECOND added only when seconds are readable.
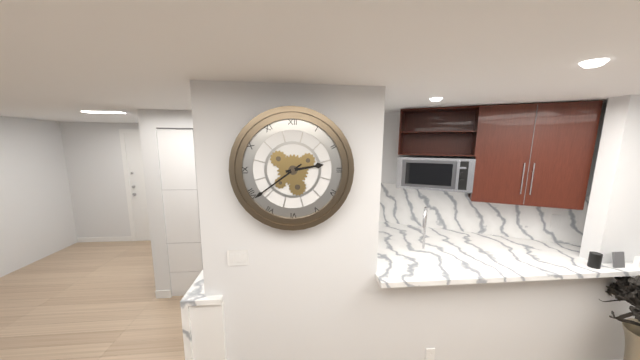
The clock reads h=2 m=39
